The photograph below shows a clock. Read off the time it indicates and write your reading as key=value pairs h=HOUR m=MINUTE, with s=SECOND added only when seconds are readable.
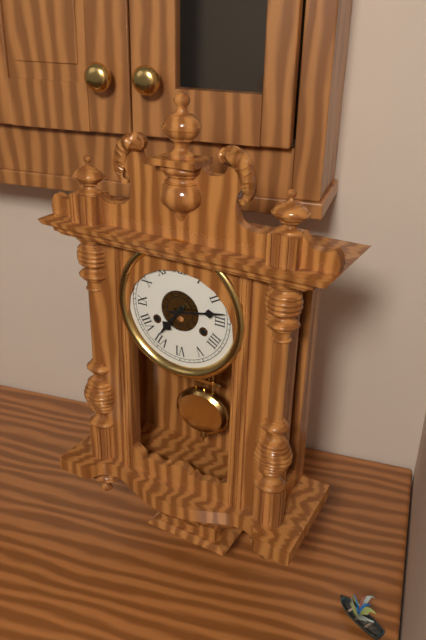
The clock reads h=7 m=13
